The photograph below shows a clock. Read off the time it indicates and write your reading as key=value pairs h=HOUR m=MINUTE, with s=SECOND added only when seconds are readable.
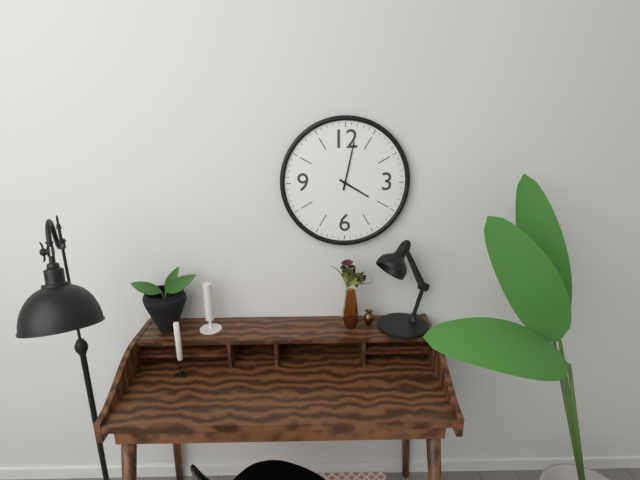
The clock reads h=4 m=2
